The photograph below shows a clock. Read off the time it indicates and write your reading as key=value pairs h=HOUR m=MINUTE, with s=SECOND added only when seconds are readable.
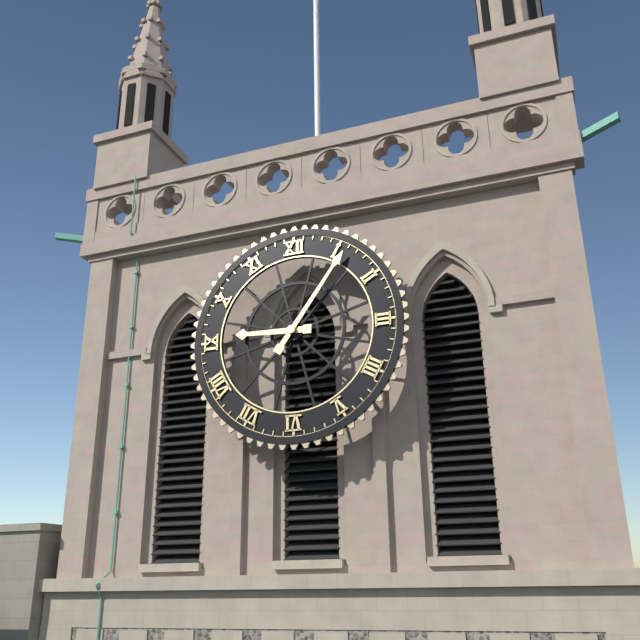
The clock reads h=9 m=6
